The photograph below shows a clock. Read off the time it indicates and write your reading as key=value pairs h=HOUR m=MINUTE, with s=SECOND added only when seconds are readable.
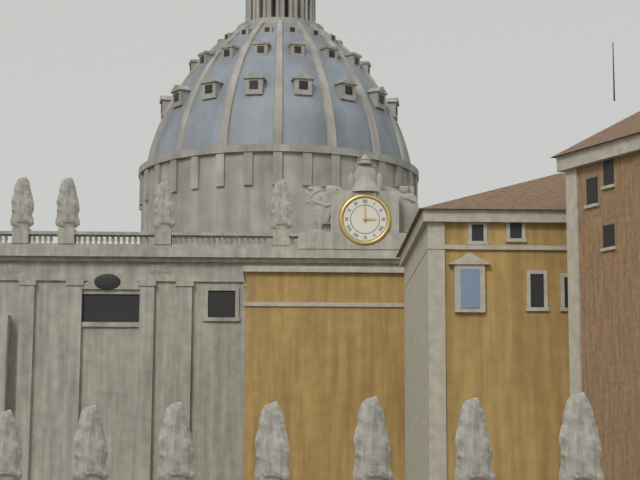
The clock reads h=3 m=0
